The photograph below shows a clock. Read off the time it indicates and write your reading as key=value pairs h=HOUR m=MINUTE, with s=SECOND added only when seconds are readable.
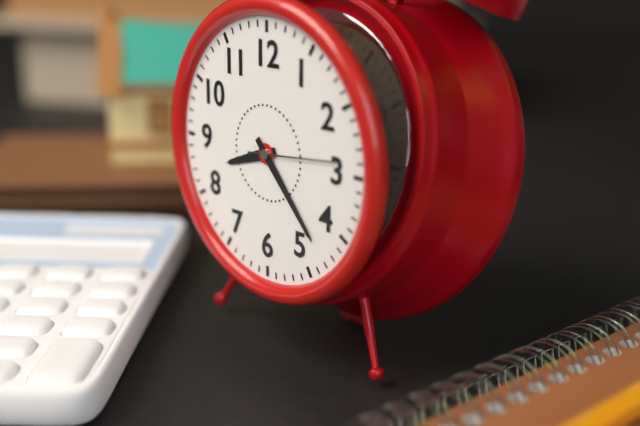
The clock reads h=8 m=23 s=14
